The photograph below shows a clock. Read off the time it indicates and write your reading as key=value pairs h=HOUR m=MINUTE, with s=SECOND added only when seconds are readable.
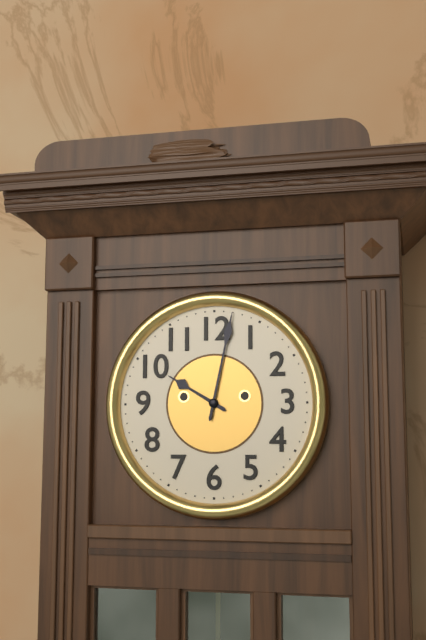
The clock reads h=10 m=2
